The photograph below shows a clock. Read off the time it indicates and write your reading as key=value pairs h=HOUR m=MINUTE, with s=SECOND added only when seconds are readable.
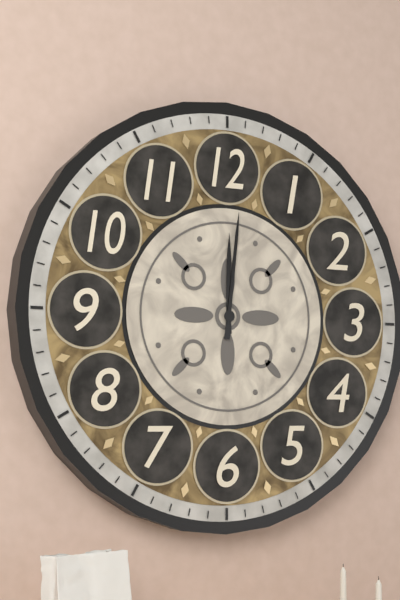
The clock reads h=12 m=1
